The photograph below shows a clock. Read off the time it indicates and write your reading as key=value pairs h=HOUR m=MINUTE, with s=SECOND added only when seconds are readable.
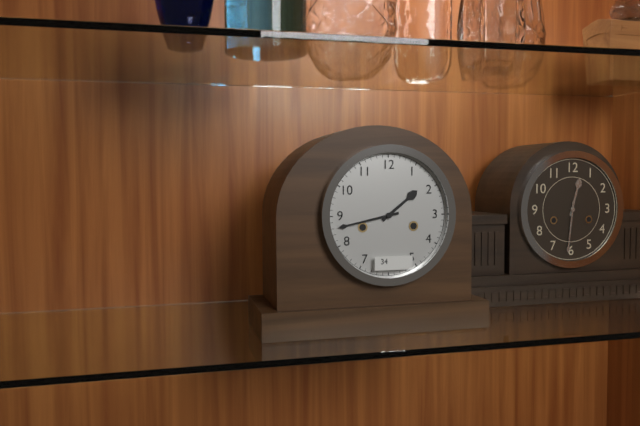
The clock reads h=1 m=43
